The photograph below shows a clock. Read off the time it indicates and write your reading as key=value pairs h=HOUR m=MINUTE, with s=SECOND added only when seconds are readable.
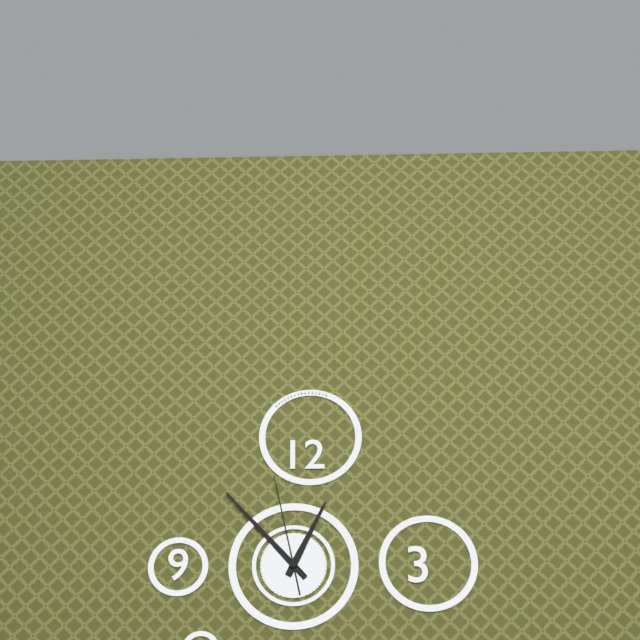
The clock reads h=12 m=53 s=58
